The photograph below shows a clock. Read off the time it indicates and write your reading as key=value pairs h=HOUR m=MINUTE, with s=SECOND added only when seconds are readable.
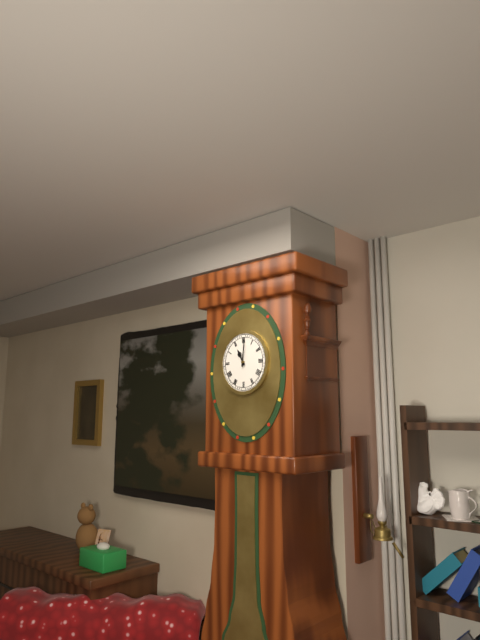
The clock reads h=11 m=1
